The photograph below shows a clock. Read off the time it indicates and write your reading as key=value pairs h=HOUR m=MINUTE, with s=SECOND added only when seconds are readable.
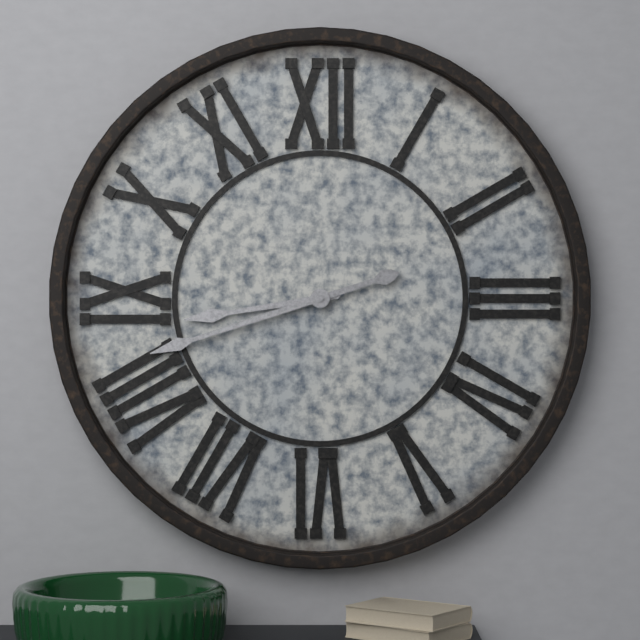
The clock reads h=8 m=42
